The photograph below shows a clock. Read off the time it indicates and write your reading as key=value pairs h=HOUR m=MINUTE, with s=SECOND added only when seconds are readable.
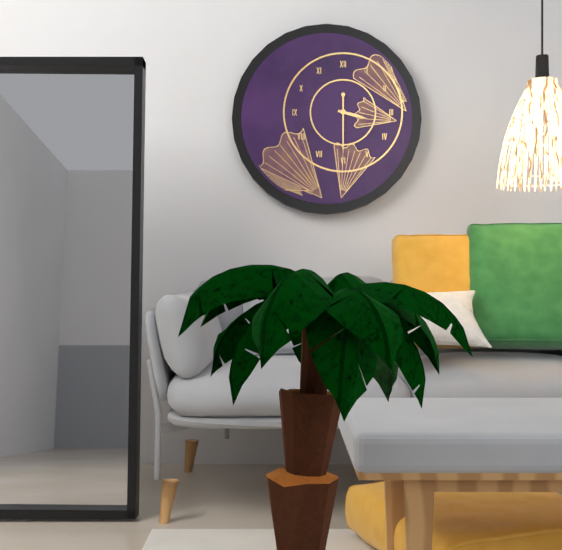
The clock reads h=3 m=30
